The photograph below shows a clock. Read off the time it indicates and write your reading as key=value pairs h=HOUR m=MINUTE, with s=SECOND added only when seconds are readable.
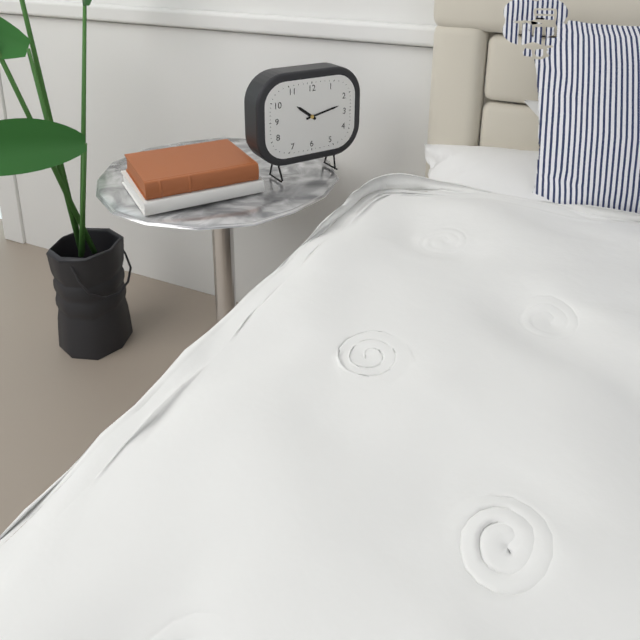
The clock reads h=10 m=13
